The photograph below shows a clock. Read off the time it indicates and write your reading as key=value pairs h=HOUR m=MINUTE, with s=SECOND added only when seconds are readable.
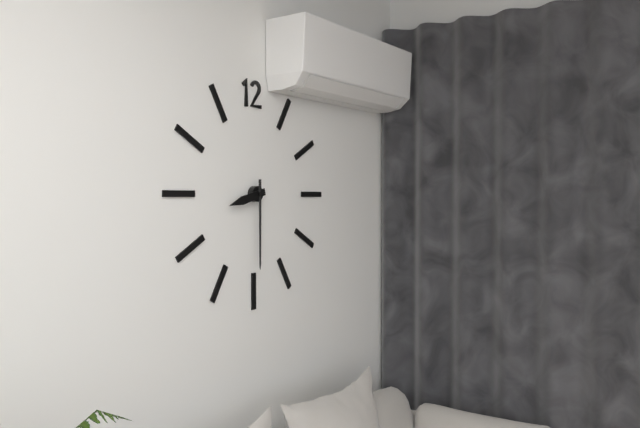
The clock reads h=8 m=30
